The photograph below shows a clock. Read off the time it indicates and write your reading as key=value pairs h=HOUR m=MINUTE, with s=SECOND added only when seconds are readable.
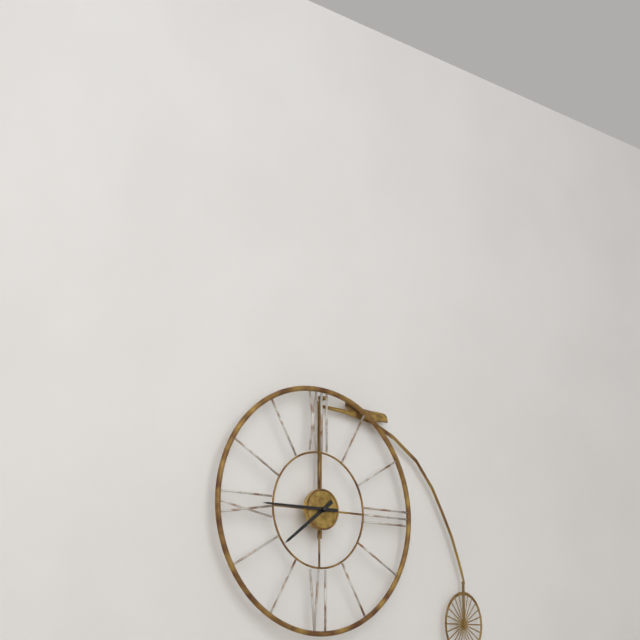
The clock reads h=7 m=45
